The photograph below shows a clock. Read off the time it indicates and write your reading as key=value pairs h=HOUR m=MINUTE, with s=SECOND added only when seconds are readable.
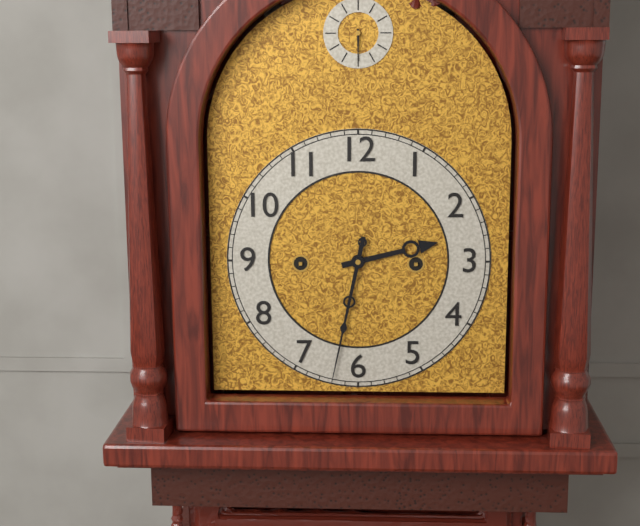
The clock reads h=2 m=32
